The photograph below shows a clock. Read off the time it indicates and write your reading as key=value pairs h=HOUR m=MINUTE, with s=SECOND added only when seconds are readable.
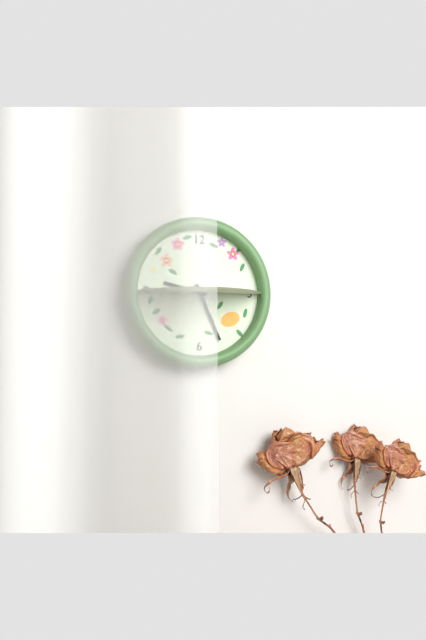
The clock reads h=9 m=26
